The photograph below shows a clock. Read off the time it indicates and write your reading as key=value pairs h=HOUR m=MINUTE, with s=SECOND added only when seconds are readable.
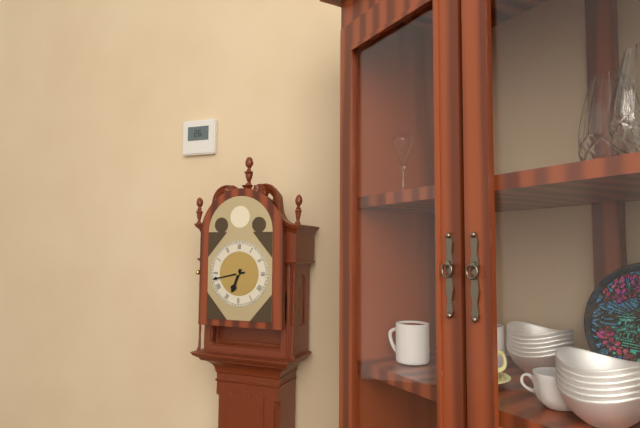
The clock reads h=6 m=43
